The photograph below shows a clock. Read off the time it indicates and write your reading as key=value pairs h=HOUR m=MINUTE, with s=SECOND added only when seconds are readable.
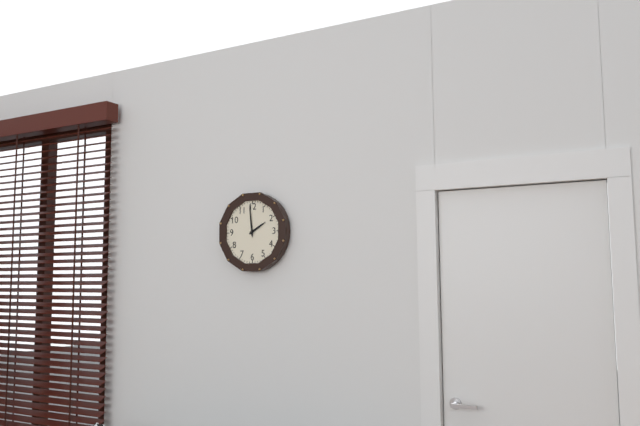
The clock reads h=1 m=59
